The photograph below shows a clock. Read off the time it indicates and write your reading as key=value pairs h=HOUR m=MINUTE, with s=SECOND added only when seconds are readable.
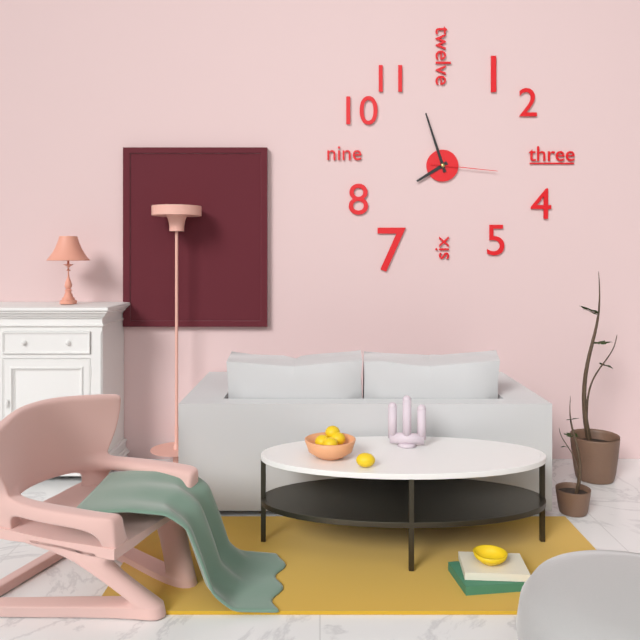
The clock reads h=7 m=57 s=16
